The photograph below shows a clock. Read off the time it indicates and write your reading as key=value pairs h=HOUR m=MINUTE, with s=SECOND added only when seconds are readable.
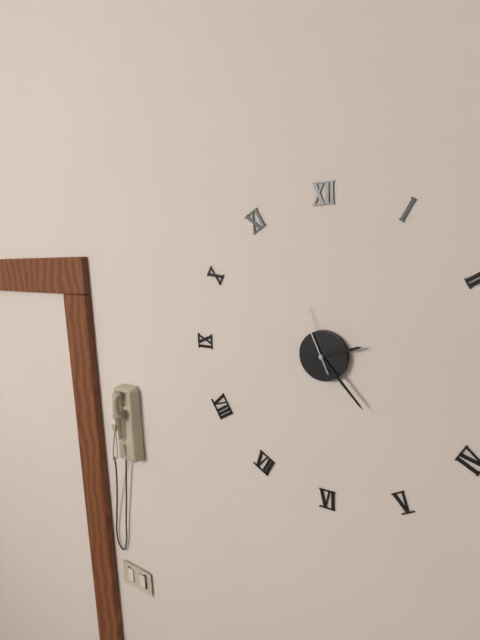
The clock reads h=2 m=23 s=56
